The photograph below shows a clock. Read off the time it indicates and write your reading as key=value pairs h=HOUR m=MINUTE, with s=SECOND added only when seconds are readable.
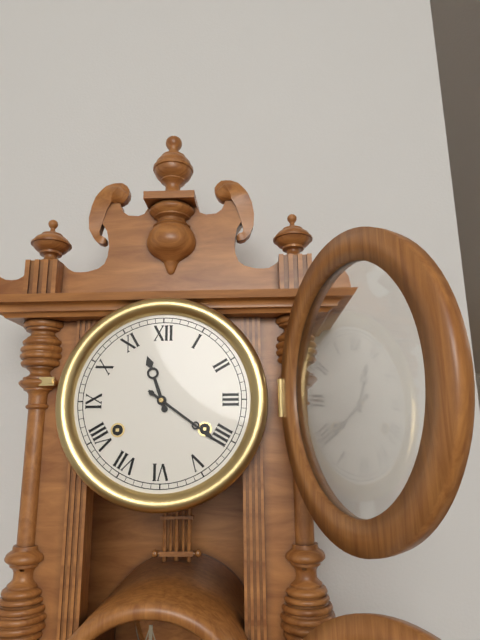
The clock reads h=11 m=21
